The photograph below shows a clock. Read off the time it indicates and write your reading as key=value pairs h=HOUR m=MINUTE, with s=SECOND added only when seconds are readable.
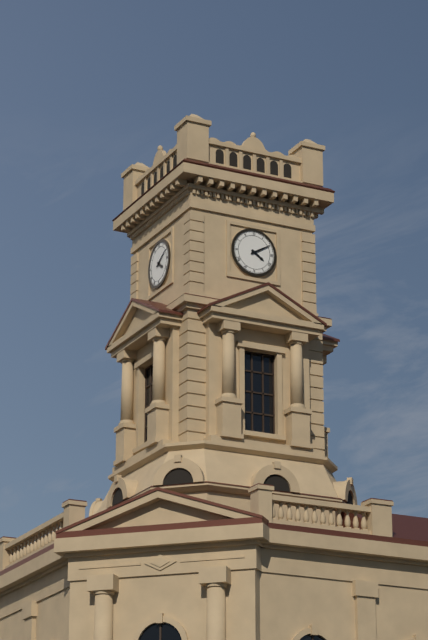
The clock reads h=4 m=10
